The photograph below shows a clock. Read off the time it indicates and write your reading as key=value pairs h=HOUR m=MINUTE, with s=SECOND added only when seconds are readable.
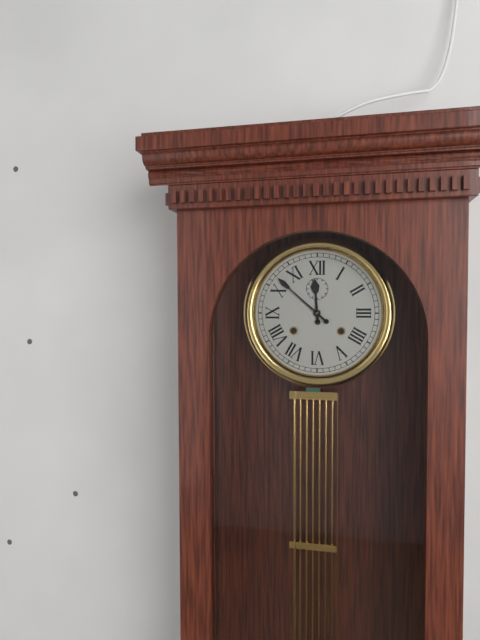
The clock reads h=11 m=52
